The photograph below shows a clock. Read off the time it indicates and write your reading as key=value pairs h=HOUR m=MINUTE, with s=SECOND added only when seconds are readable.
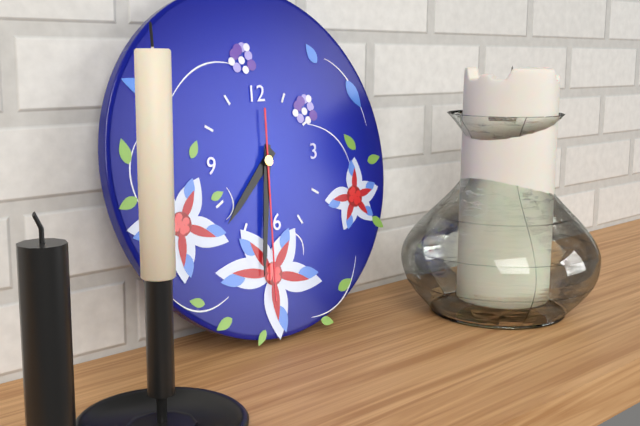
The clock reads h=7 m=32 s=31
